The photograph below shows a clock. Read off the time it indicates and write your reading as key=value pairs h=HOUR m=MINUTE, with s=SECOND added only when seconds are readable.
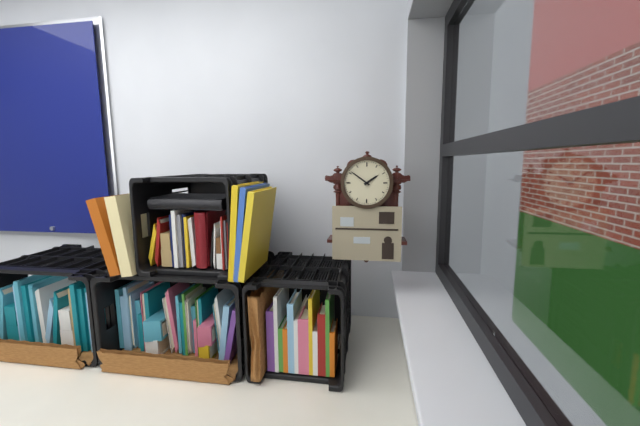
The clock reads h=1 m=51
